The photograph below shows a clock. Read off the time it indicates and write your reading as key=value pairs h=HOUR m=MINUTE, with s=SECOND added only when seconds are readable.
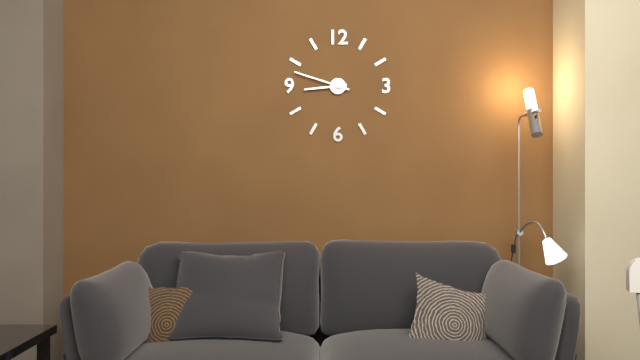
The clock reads h=8 m=48
